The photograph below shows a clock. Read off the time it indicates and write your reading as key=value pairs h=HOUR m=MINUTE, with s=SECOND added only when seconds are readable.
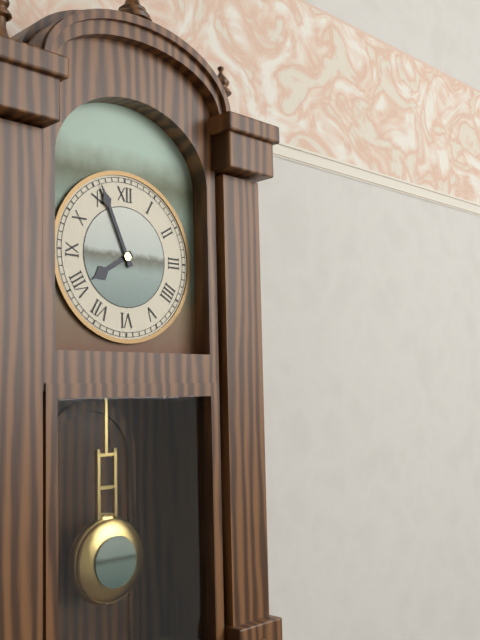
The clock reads h=7 m=56
